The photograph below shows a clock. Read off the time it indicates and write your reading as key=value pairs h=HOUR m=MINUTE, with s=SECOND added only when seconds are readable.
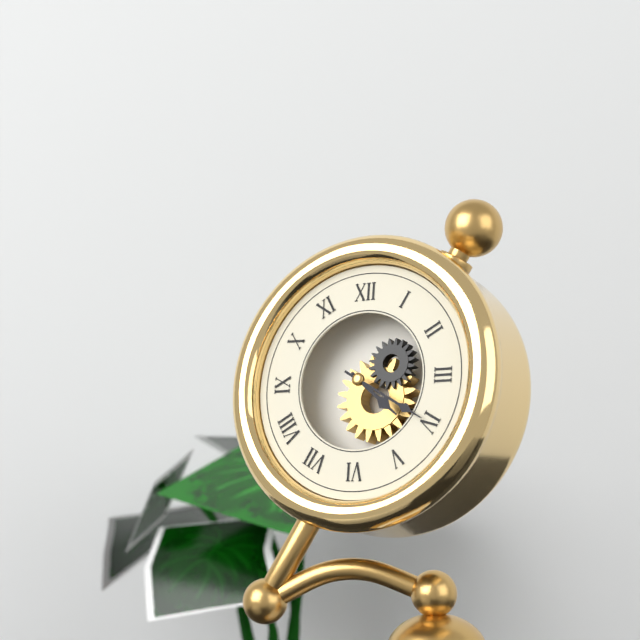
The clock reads h=4 m=20
